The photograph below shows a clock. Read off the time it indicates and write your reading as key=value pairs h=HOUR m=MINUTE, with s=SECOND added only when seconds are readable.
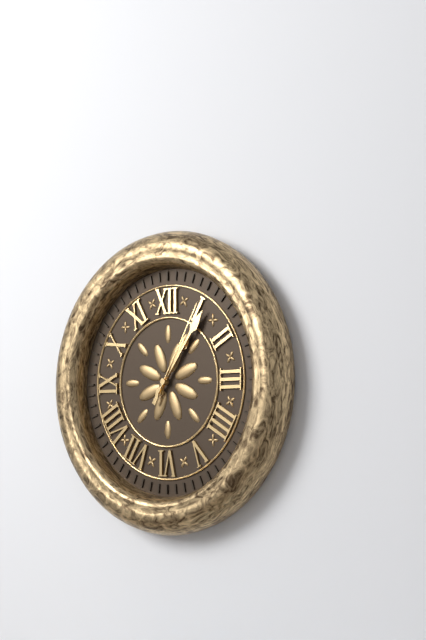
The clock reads h=1 m=6 s=5
